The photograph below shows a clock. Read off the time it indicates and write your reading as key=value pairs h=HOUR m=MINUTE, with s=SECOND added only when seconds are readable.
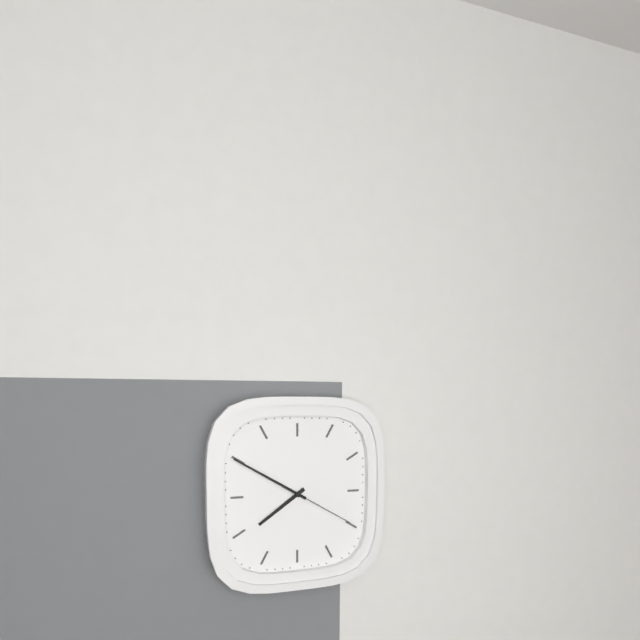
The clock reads h=7 m=50 s=20
